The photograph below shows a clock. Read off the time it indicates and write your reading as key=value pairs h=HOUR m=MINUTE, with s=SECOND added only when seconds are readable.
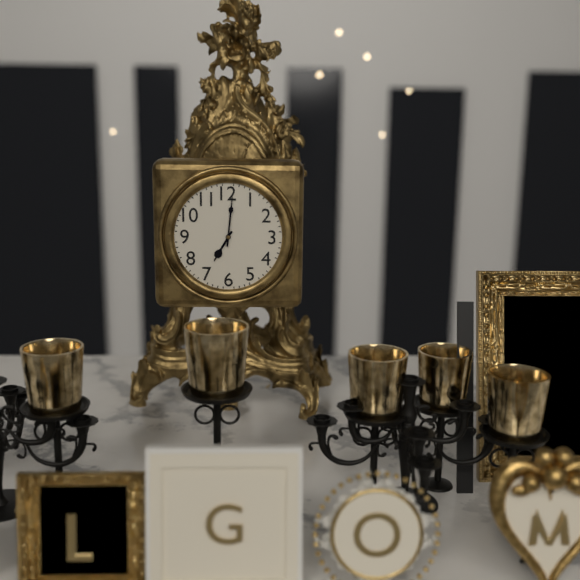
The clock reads h=7 m=1
